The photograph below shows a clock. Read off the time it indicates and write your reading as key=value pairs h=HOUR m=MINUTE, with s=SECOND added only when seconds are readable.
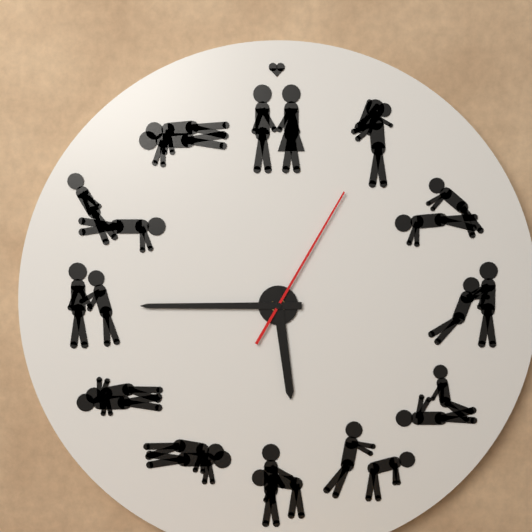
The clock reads h=5 m=45 s=5
